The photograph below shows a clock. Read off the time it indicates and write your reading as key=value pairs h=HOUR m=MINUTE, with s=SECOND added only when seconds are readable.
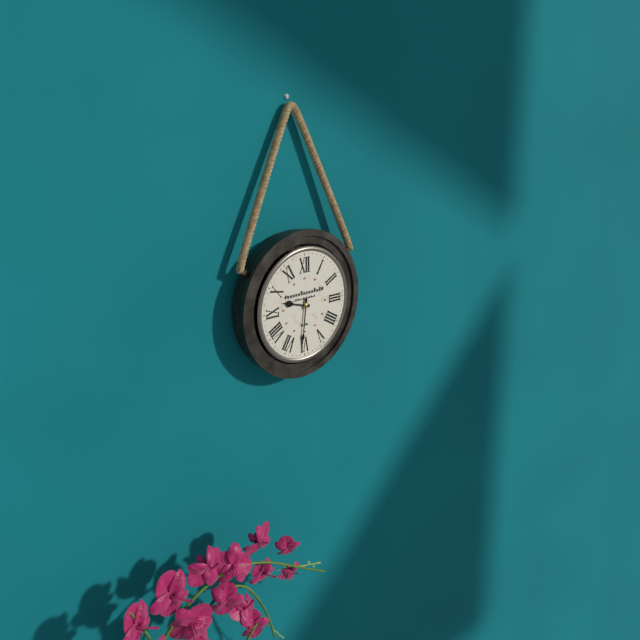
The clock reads h=9 m=31
